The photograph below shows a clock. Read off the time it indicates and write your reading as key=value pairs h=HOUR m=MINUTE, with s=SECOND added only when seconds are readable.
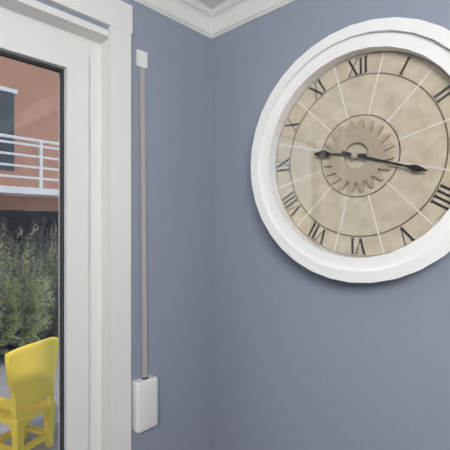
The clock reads h=9 m=18
